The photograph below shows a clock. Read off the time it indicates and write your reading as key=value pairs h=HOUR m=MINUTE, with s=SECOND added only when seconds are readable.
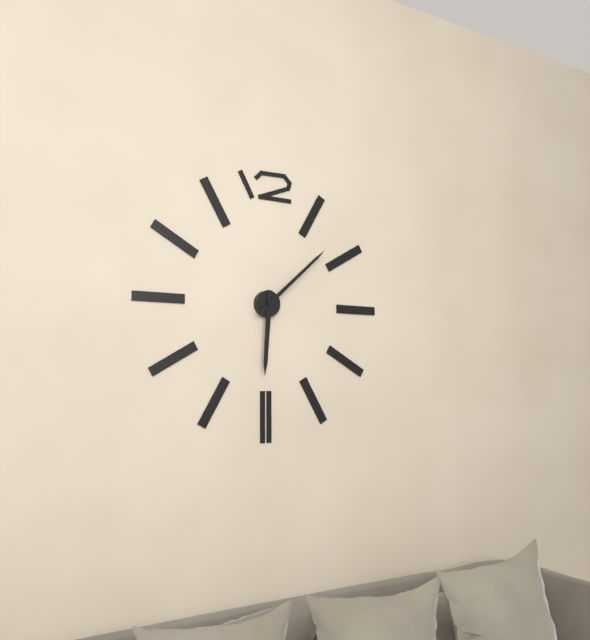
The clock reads h=6 m=8
